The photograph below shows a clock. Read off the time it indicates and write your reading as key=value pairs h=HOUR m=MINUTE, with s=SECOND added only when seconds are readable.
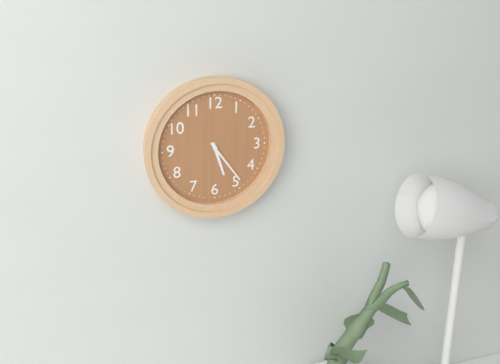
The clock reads h=5 m=24
